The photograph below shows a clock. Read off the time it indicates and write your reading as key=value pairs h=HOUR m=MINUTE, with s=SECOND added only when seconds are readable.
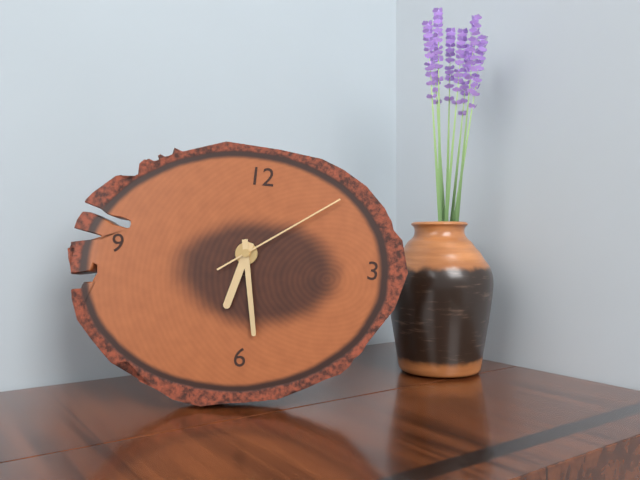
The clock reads h=6 m=28 s=9
